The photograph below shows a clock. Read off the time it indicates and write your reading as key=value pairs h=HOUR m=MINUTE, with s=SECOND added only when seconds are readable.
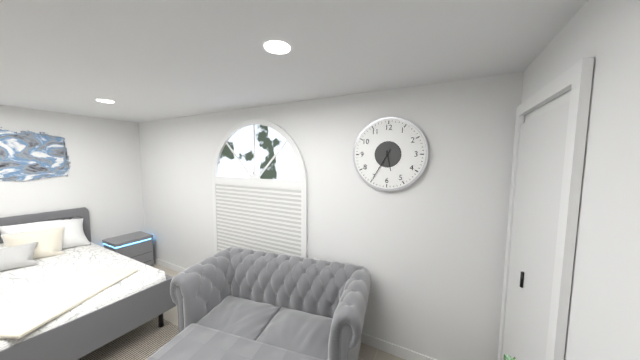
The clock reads h=5 m=35
